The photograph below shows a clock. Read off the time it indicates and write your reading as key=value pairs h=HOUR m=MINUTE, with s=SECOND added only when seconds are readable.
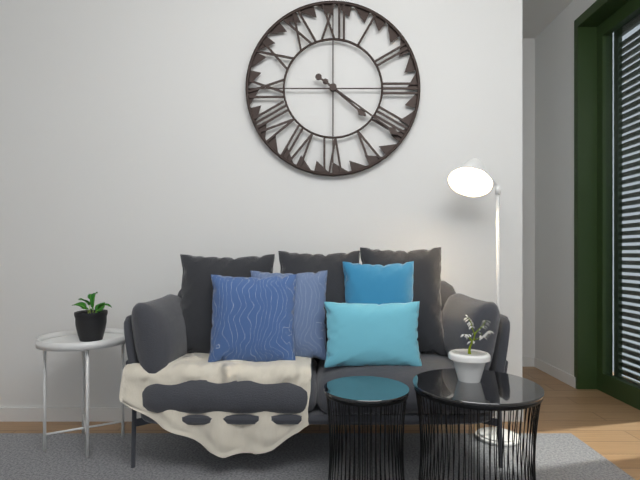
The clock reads h=4 m=21
